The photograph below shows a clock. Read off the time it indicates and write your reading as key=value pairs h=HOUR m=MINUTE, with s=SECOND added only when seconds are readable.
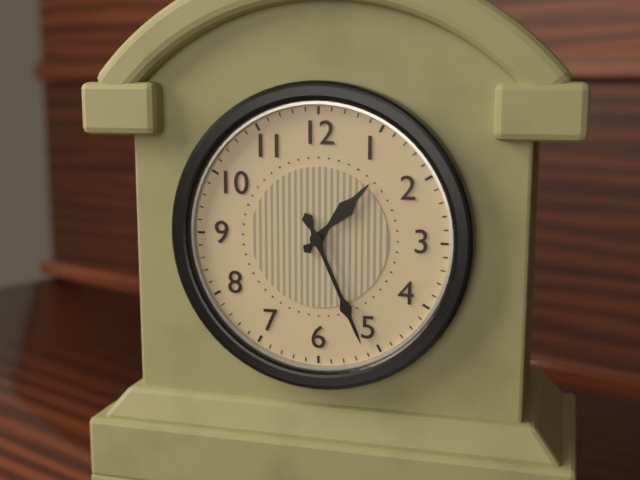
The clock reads h=1 m=26
